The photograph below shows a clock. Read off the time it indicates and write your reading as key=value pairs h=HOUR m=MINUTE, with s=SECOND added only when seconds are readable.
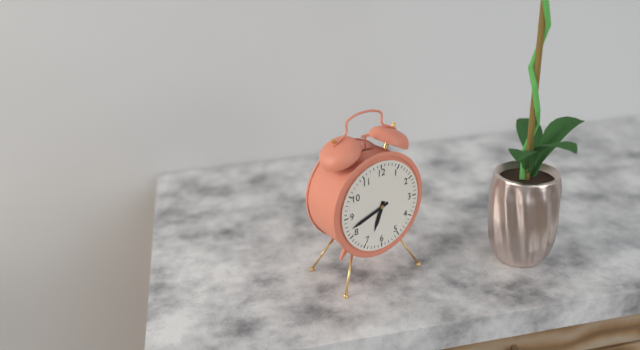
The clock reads h=6 m=42
